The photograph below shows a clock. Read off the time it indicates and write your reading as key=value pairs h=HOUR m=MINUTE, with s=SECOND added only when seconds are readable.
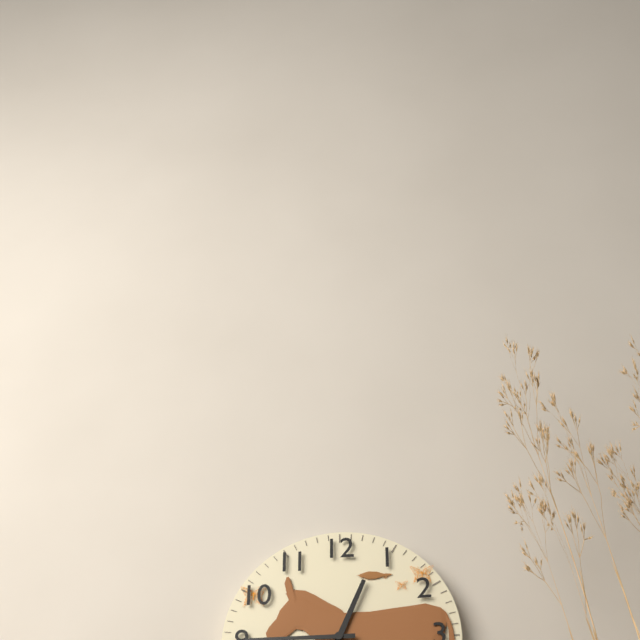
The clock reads h=12 m=45
